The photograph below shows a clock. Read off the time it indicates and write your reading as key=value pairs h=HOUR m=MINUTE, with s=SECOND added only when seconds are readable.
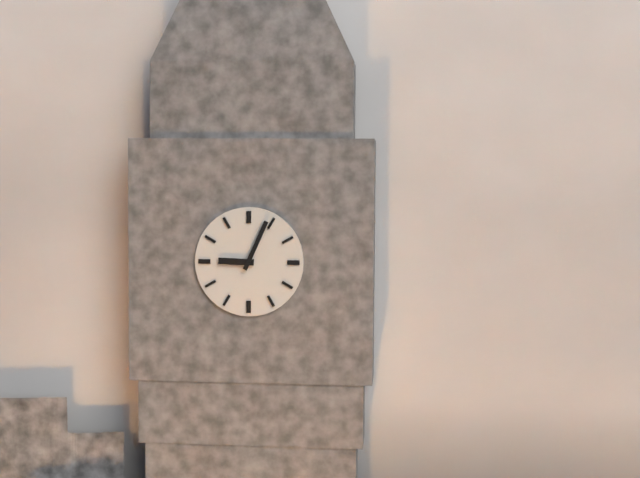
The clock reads h=9 m=4
